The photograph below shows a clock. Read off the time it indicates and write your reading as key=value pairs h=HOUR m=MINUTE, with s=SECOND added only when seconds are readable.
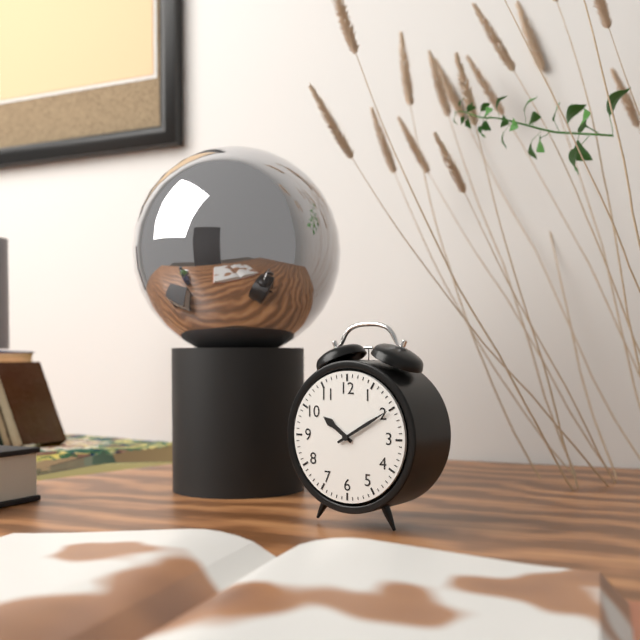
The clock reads h=10 m=10
